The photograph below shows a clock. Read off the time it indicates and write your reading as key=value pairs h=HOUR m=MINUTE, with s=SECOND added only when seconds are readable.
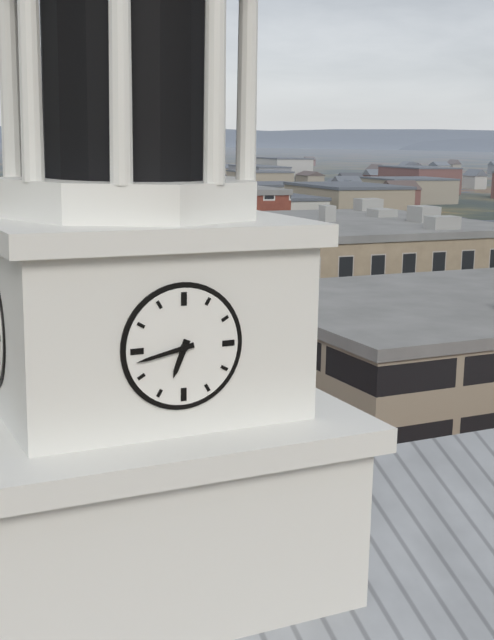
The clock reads h=6 m=43
